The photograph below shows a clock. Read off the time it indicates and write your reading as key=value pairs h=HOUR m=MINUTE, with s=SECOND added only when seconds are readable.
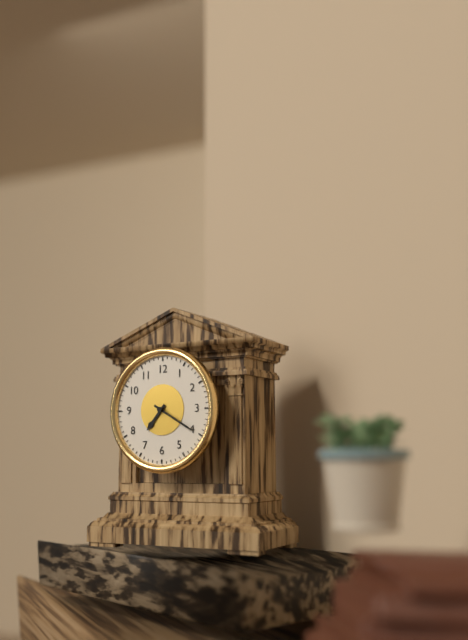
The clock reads h=7 m=20
